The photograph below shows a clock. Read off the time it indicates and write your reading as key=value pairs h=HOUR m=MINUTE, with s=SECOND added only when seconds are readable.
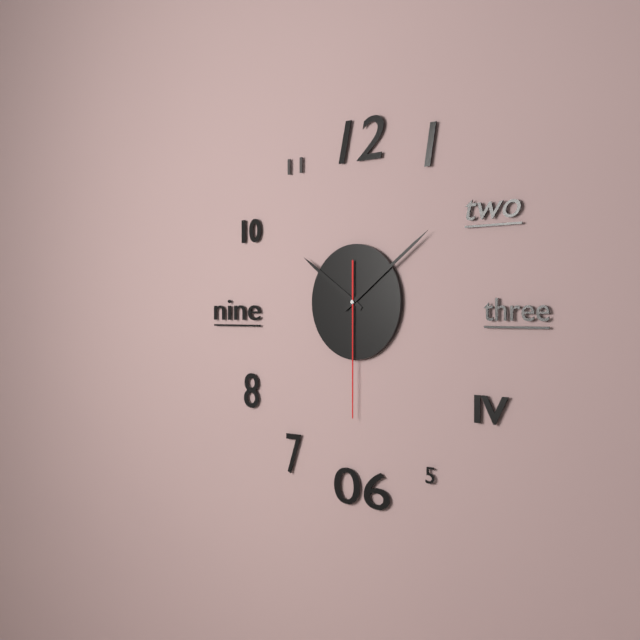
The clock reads h=10 m=9 s=30
